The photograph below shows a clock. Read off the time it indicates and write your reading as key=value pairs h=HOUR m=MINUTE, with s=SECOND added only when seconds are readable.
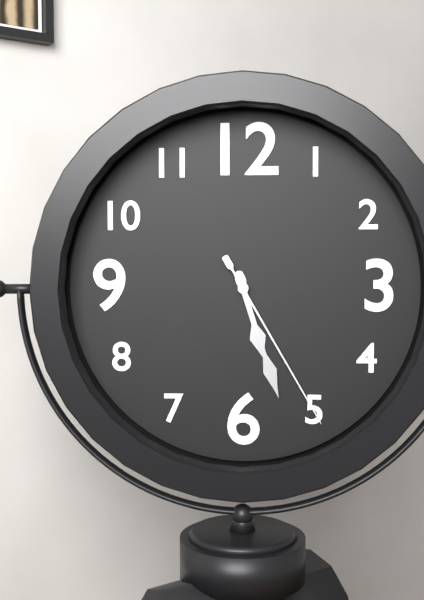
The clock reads h=5 m=27 s=25
